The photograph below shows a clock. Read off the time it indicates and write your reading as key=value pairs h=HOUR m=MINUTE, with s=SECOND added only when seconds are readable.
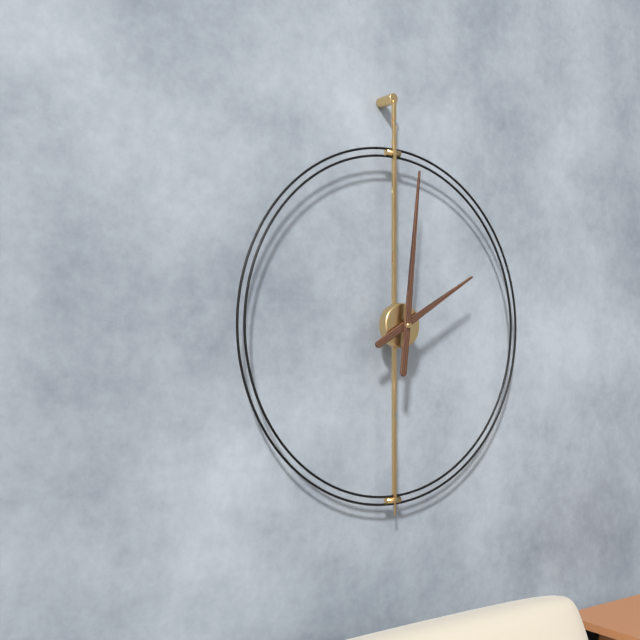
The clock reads h=2 m=1
